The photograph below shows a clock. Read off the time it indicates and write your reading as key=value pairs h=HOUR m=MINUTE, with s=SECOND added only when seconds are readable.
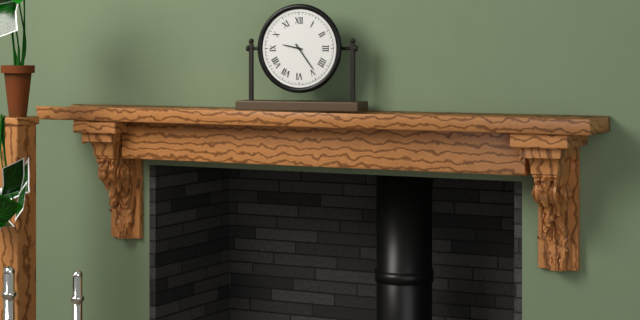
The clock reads h=9 m=24
